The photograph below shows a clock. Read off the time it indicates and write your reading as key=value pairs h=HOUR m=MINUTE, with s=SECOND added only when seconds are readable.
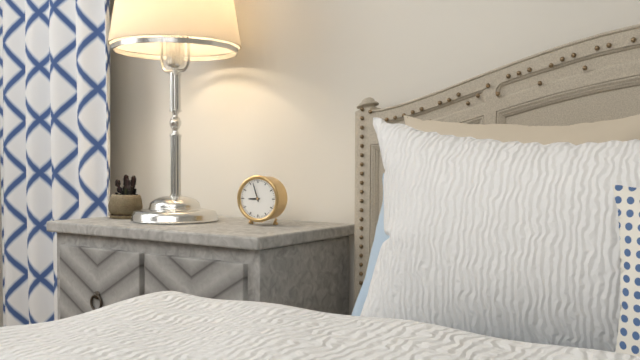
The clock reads h=8 m=57
